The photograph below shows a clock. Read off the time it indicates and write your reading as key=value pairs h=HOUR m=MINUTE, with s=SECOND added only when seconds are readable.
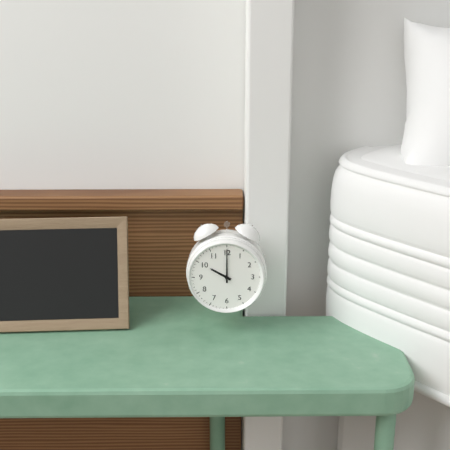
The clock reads h=10 m=0
